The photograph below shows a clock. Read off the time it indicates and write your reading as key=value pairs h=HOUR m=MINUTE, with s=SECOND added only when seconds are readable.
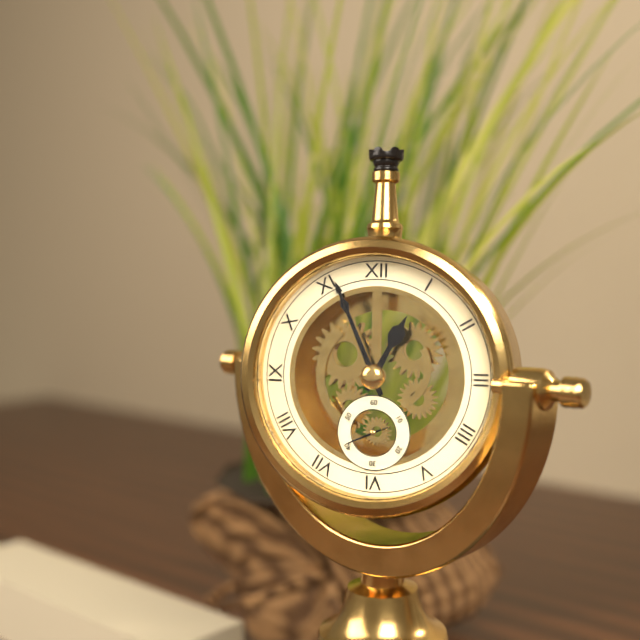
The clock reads h=12 m=56
